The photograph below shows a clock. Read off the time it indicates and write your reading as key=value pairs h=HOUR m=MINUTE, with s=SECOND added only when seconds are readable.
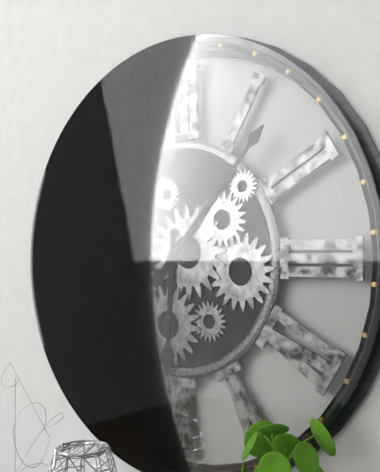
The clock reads h=6 m=7
